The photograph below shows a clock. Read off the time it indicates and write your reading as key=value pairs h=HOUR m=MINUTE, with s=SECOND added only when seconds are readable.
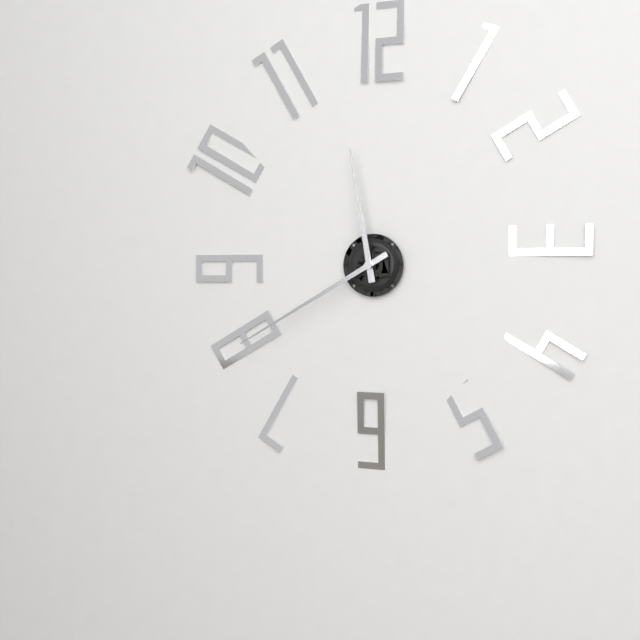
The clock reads h=11 m=40
